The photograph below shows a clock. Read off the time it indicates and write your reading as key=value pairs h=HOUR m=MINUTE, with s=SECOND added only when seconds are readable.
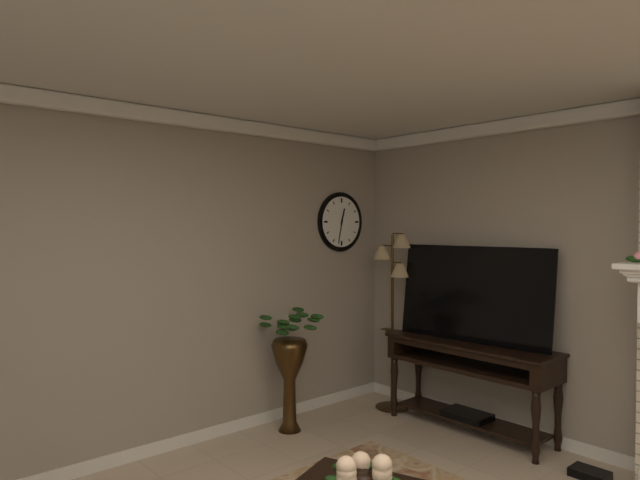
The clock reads h=12 m=32
